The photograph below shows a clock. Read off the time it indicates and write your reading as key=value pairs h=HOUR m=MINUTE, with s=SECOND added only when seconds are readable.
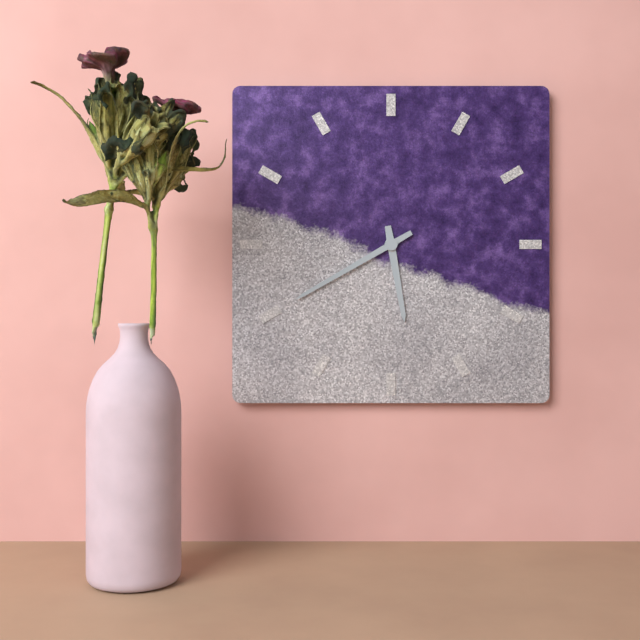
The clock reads h=5 m=40
